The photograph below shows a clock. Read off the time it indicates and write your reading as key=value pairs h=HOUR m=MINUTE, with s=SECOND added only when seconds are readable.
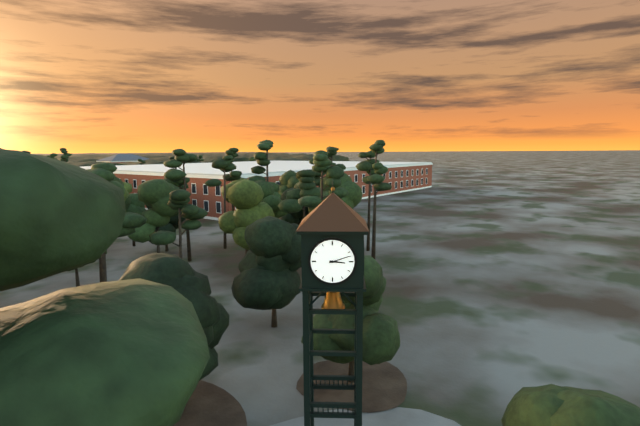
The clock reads h=3 m=12
